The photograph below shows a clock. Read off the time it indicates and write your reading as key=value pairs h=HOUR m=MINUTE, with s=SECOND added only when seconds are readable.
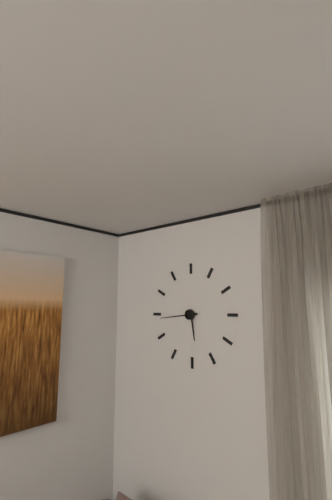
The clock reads h=5 m=44
